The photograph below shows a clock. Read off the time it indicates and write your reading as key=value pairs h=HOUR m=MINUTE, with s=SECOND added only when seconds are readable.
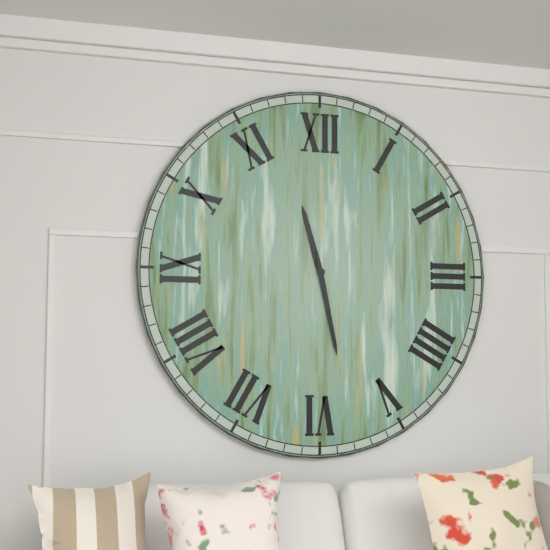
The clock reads h=11 m=28
